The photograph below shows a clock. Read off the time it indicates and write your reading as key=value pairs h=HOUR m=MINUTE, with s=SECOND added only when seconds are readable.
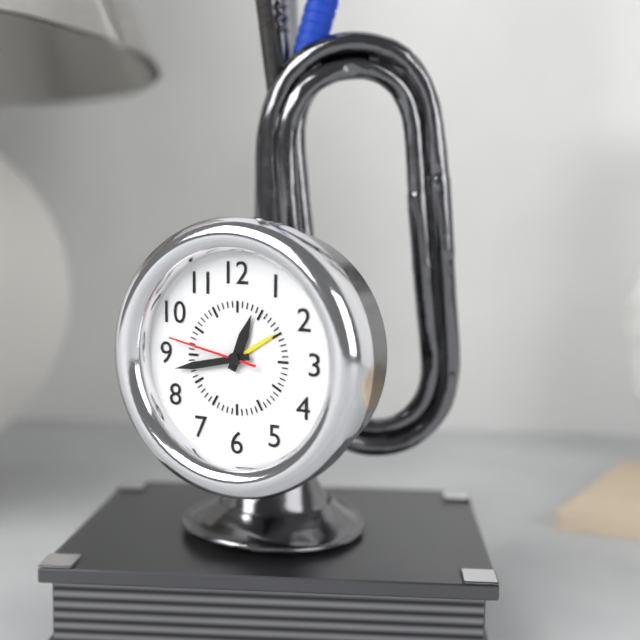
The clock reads h=12 m=43 s=47
